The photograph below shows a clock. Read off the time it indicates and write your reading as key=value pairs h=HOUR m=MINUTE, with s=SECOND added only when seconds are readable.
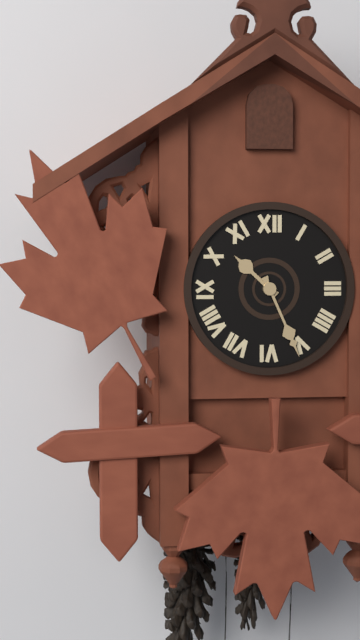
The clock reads h=10 m=26
